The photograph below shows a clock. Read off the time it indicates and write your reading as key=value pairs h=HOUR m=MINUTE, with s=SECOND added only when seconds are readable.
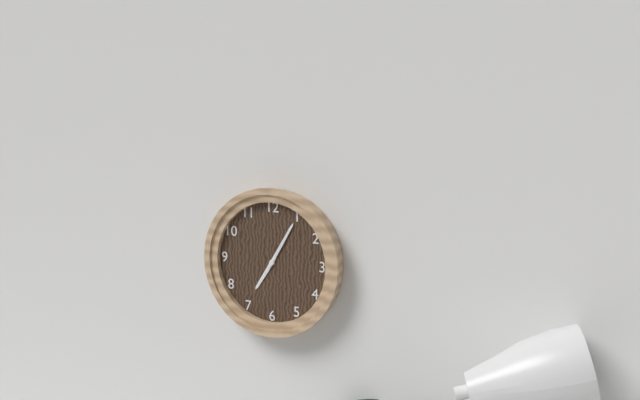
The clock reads h=7 m=5
